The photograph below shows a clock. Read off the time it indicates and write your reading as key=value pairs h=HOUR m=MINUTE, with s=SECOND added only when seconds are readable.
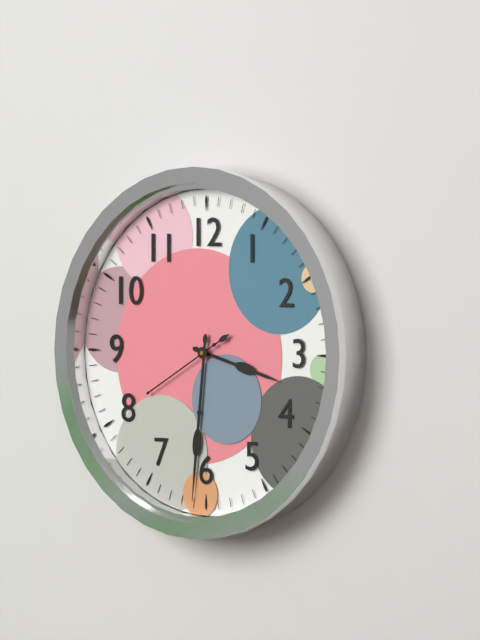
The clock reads h=3 m=31 s=40
